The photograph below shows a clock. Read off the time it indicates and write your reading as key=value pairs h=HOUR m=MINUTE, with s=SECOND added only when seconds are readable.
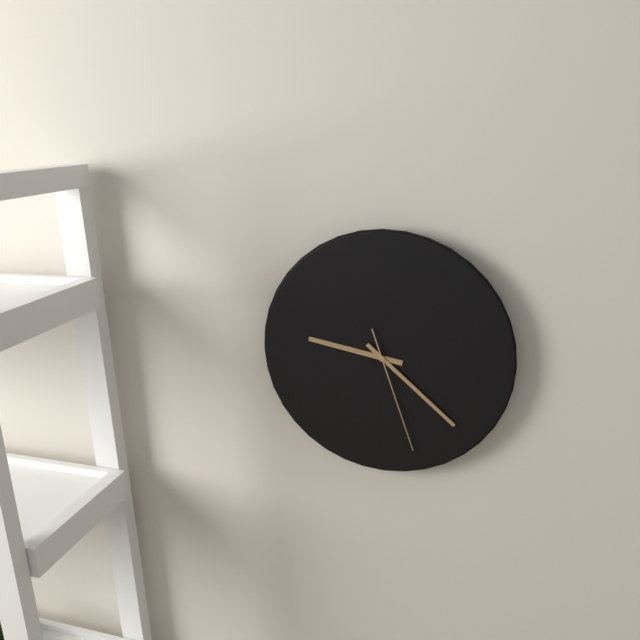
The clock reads h=9 m=22 s=27
